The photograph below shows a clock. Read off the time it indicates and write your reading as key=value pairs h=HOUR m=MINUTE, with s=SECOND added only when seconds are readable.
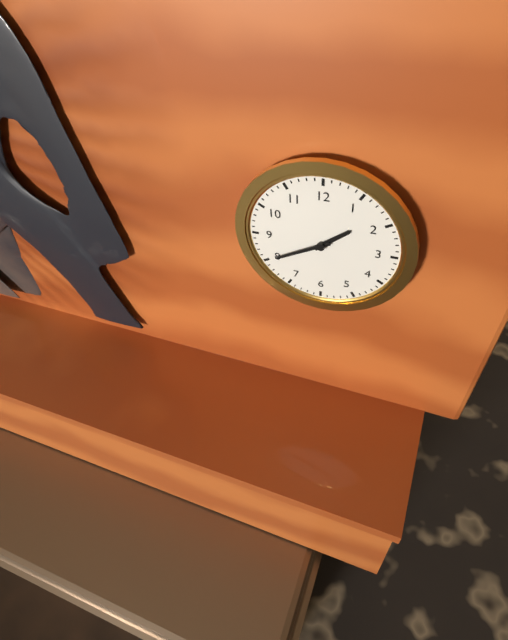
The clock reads h=1 m=40
